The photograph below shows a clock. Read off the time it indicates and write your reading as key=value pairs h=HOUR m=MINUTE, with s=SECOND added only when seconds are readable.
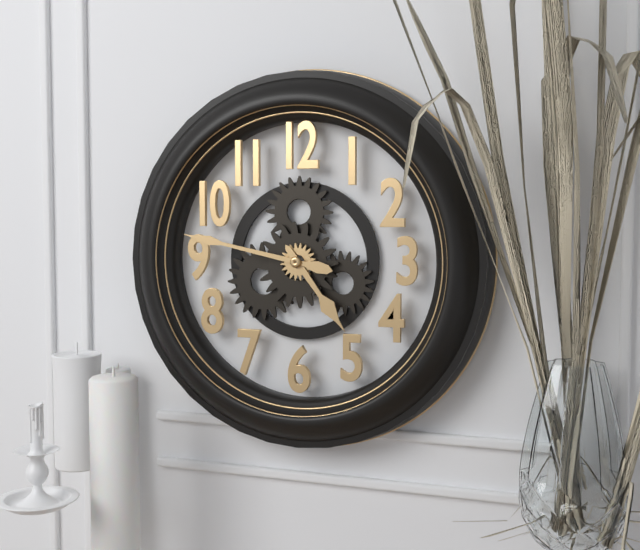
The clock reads h=4 m=47
